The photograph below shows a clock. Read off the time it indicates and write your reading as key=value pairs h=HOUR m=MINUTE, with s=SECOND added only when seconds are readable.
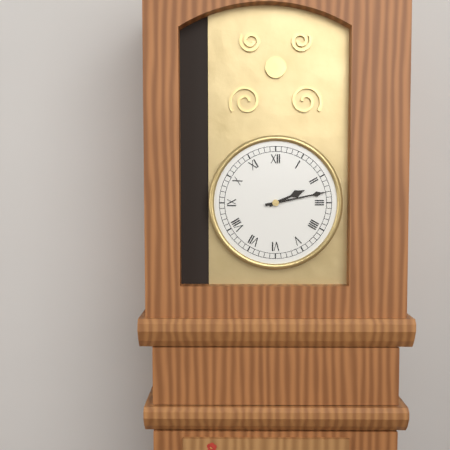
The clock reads h=2 m=13
